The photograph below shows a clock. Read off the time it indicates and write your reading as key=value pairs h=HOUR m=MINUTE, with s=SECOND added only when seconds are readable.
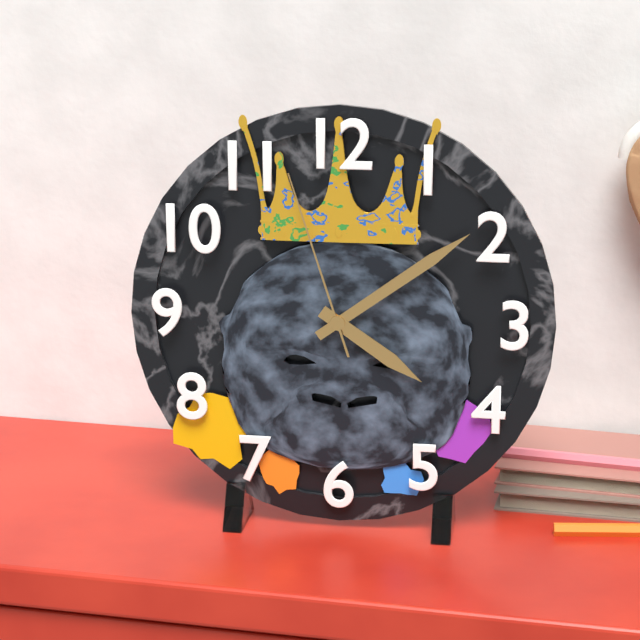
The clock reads h=4 m=9 s=57
